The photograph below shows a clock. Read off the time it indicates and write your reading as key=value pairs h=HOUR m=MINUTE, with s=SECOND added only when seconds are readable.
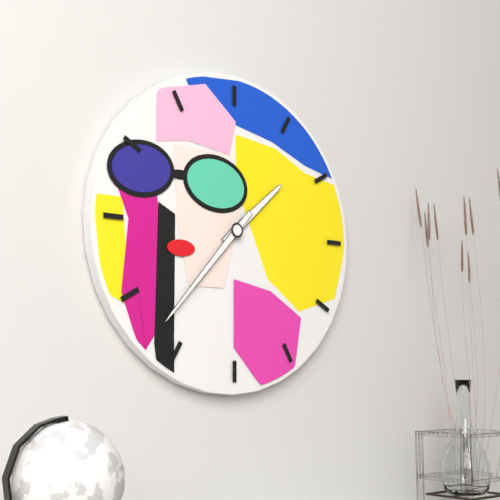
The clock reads h=1 m=37
